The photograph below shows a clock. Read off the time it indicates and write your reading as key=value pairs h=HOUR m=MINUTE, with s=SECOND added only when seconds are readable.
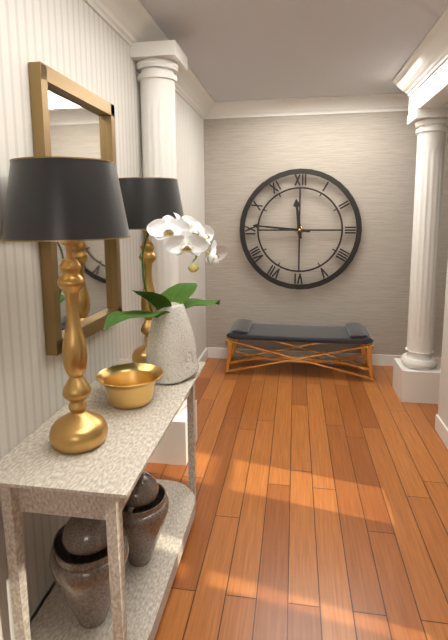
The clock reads h=11 m=46
